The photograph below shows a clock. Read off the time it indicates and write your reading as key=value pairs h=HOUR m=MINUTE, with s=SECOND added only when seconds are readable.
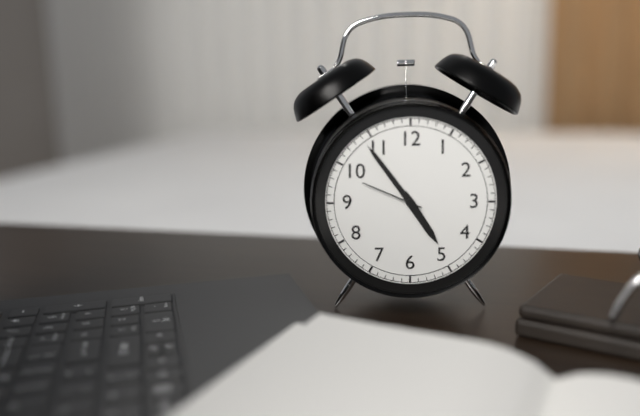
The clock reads h=4 m=54 s=49
